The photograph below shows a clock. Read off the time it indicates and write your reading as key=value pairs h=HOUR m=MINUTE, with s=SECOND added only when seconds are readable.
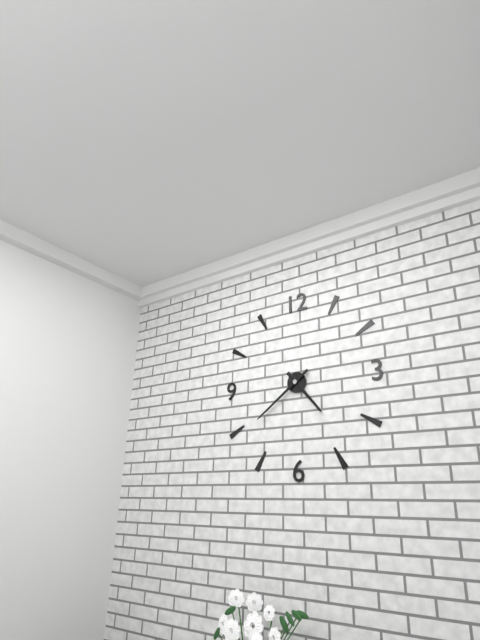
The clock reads h=4 m=39
